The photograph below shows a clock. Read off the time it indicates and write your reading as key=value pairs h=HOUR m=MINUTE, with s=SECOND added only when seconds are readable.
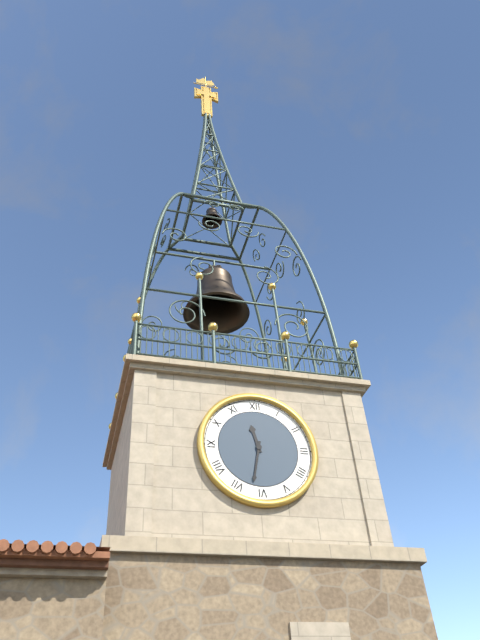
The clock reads h=11 m=32
